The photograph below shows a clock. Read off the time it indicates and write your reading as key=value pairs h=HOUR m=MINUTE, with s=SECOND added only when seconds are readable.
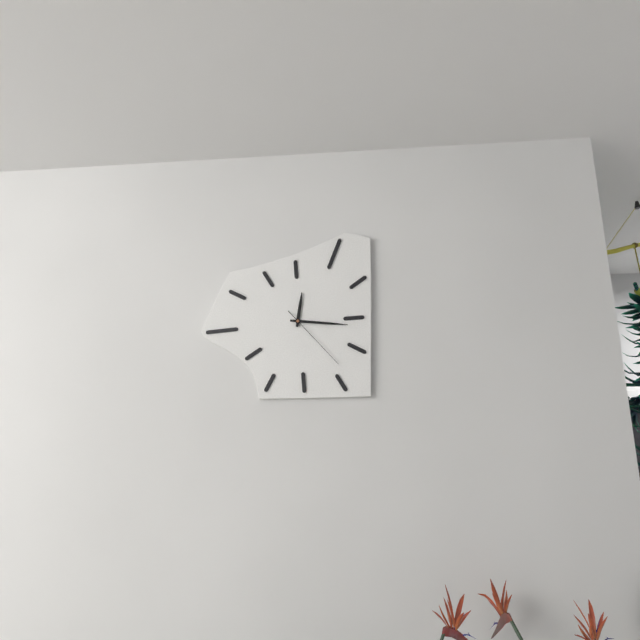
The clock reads h=12 m=16 s=23
